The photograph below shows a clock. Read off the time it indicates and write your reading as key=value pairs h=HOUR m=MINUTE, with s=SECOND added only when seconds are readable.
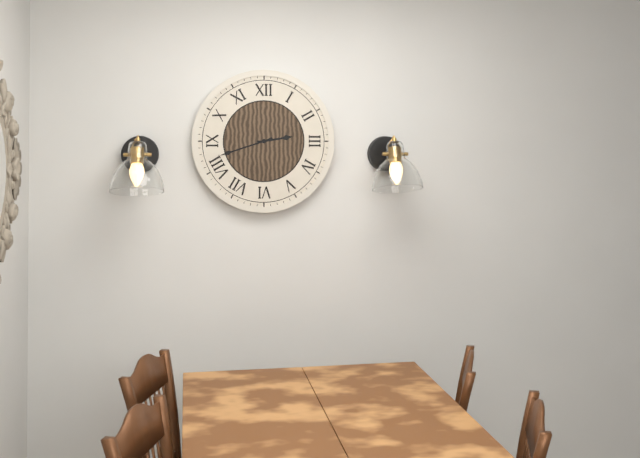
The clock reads h=2 m=42
